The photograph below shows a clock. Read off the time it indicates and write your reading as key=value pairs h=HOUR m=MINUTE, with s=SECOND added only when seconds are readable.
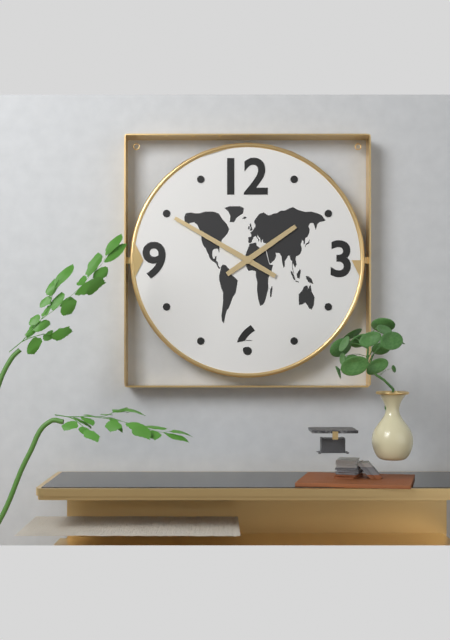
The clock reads h=1 m=50
